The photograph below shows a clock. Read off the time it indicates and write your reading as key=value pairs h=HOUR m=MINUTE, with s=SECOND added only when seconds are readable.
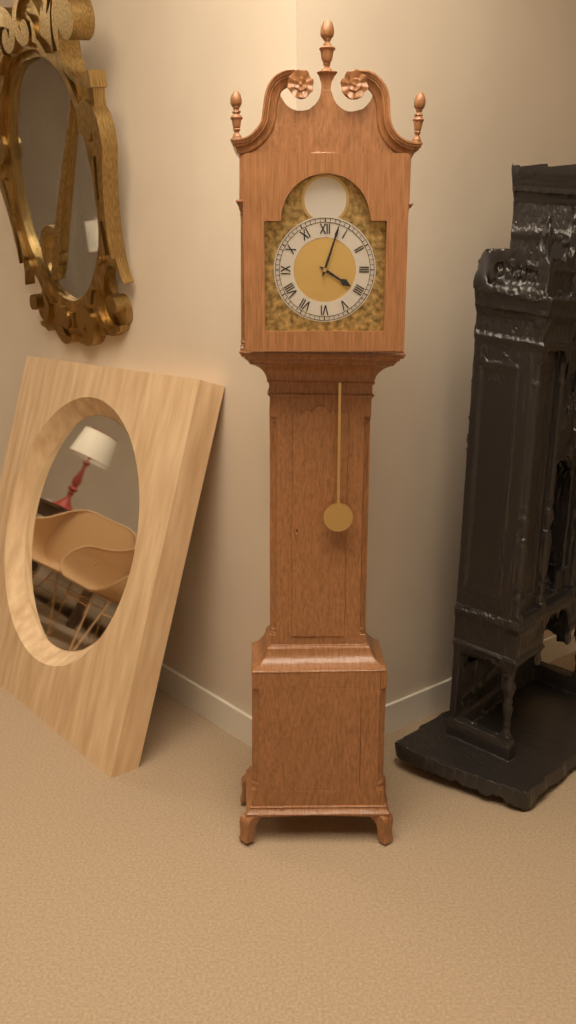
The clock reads h=4 m=3
